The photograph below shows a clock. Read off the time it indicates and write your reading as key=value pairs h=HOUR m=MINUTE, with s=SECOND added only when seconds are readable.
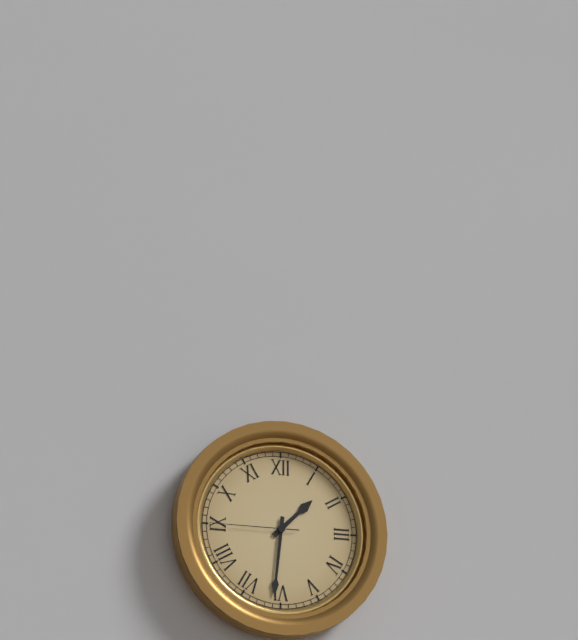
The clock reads h=1 m=31 s=45
